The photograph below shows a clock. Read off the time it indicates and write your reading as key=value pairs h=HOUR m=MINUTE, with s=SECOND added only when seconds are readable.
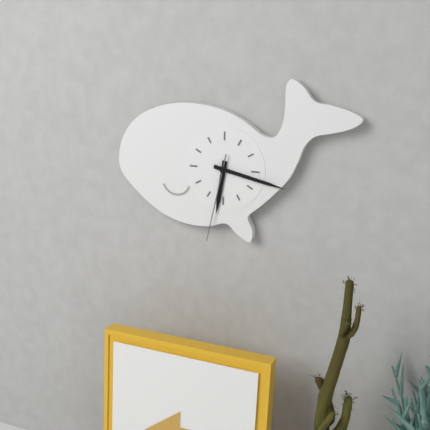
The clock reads h=6 m=17 s=32
